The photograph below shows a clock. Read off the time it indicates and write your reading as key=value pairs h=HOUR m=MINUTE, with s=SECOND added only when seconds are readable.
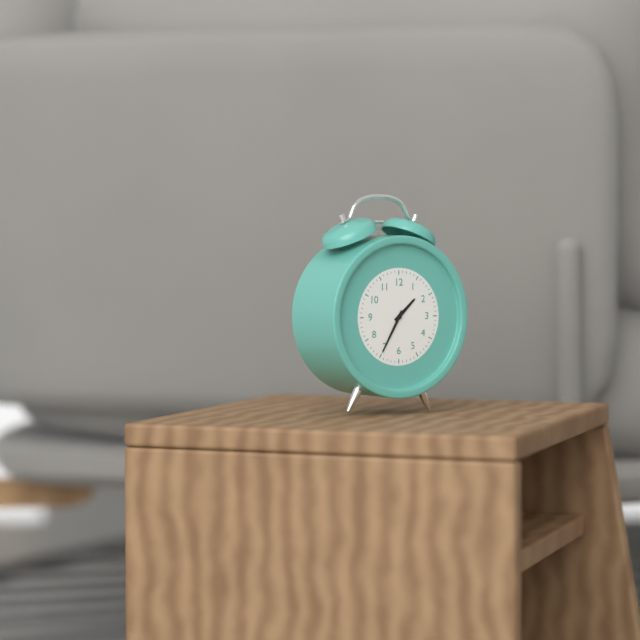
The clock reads h=1 m=35
